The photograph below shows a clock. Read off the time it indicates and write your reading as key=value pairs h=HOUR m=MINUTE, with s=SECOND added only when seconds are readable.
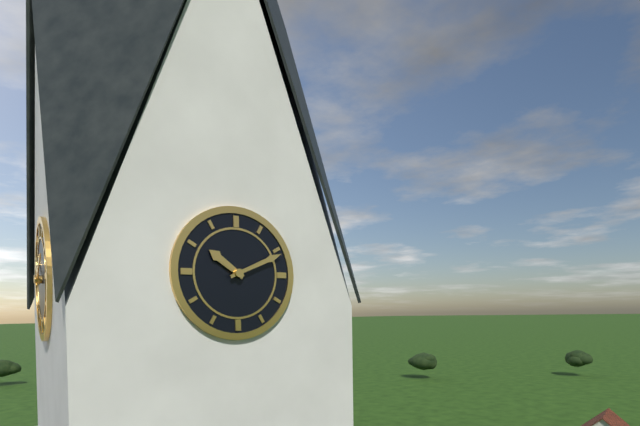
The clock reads h=10 m=11
